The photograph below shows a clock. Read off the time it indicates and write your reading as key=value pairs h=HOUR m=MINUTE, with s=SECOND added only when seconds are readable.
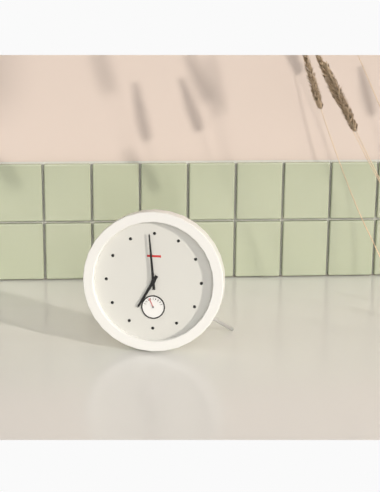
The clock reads h=6 m=59
